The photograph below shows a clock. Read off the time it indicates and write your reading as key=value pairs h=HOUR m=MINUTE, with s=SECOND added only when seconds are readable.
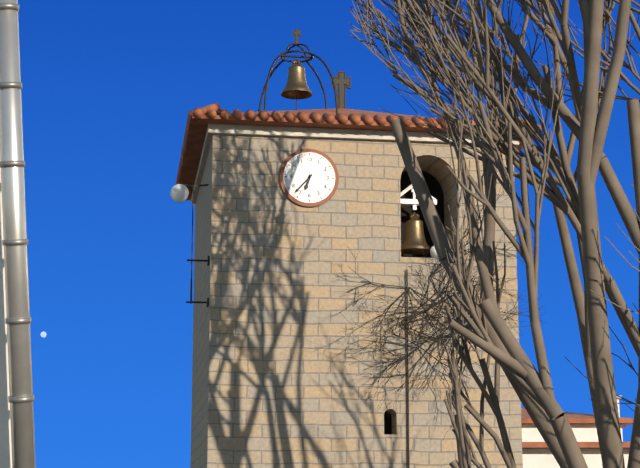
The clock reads h=6 m=37
